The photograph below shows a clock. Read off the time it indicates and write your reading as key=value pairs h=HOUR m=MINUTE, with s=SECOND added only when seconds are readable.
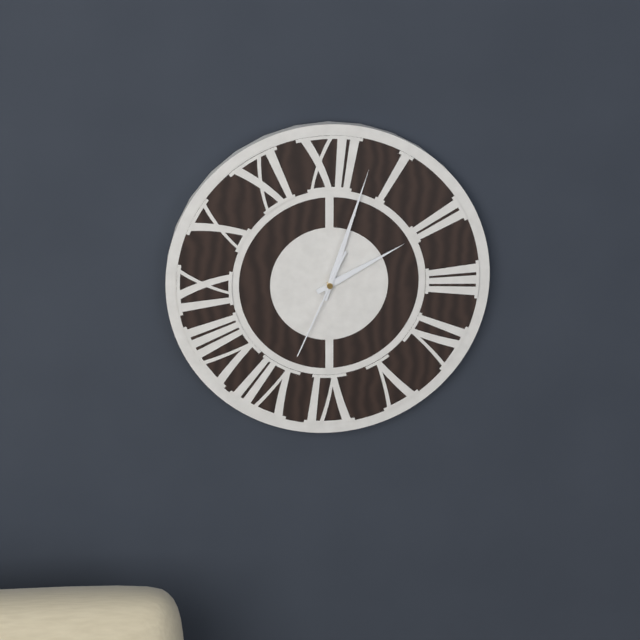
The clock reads h=2 m=3 s=34
